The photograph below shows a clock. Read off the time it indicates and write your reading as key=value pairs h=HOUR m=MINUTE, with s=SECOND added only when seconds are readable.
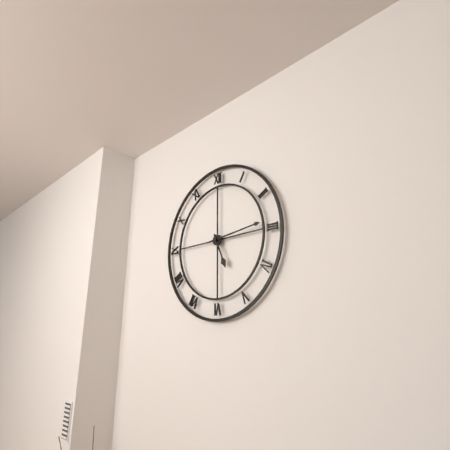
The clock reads h=5 m=14
